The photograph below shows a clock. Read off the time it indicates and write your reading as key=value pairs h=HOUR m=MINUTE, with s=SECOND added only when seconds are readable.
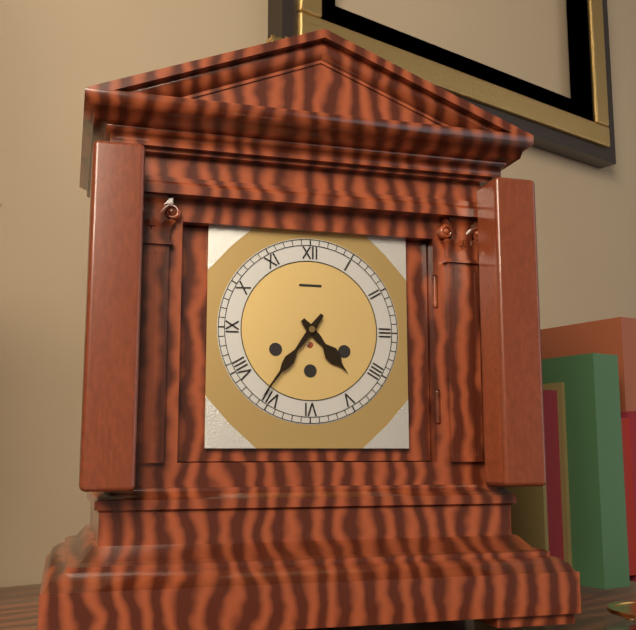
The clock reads h=4 m=36
